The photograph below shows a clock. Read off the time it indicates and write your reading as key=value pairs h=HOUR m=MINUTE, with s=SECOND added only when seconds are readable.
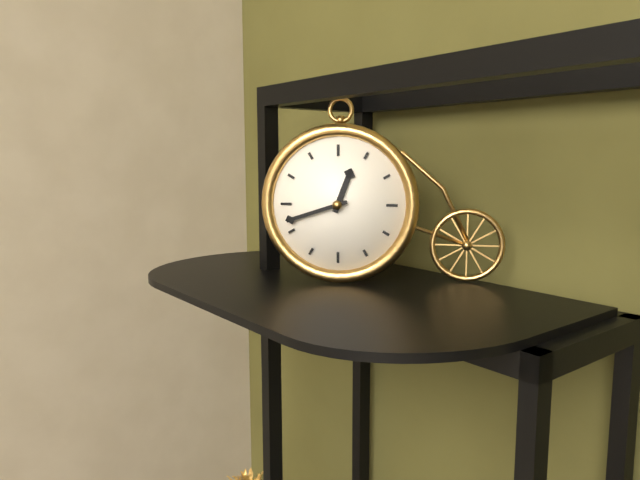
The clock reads h=12 m=42
